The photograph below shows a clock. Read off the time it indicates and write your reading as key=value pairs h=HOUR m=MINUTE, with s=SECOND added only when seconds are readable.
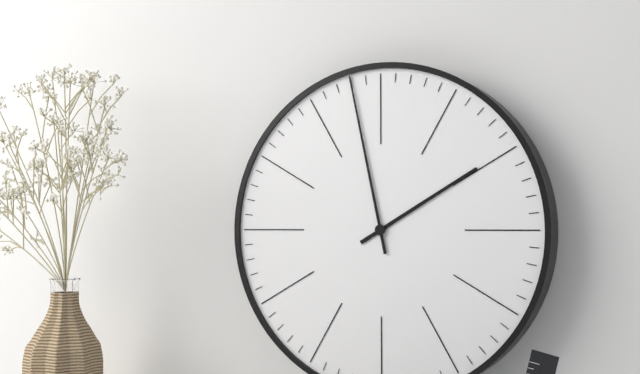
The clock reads h=1 m=58
